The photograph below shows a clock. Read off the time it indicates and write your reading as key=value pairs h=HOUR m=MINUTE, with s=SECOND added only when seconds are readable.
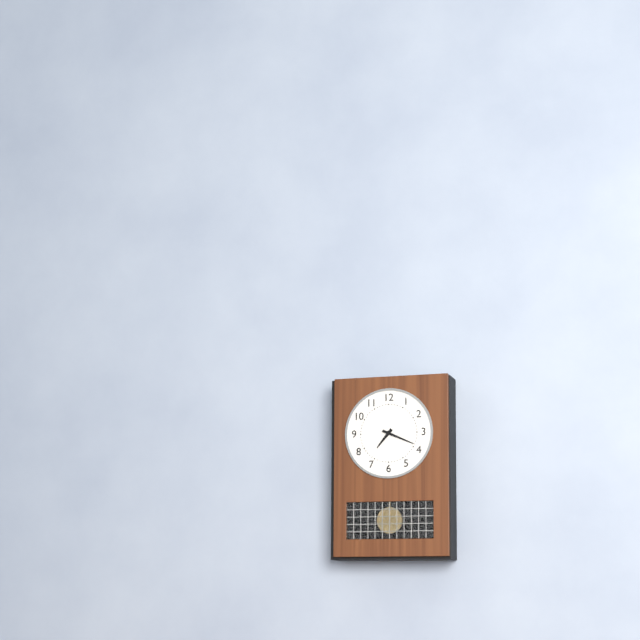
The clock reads h=7 m=19
